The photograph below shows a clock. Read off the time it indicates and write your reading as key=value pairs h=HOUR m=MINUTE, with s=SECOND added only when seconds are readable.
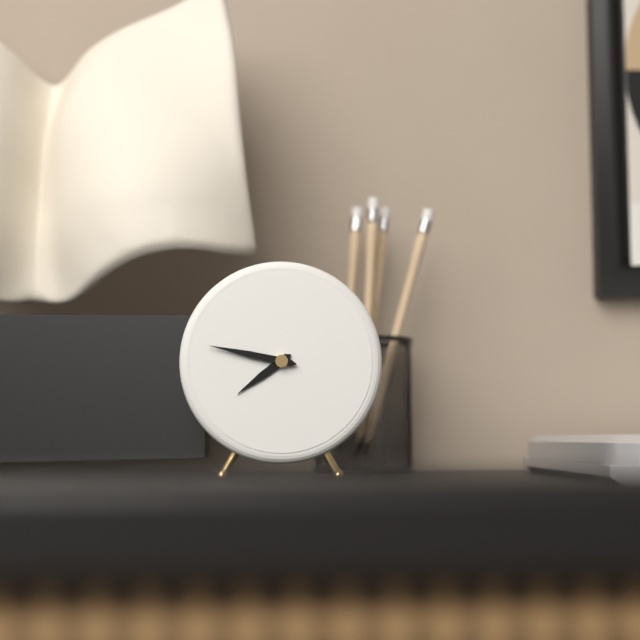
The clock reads h=7 m=47
